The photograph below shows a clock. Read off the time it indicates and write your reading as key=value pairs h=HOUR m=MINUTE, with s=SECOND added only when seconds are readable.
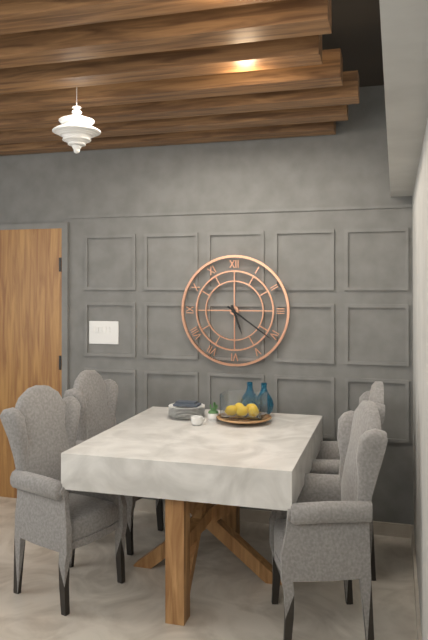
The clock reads h=5 m=21
